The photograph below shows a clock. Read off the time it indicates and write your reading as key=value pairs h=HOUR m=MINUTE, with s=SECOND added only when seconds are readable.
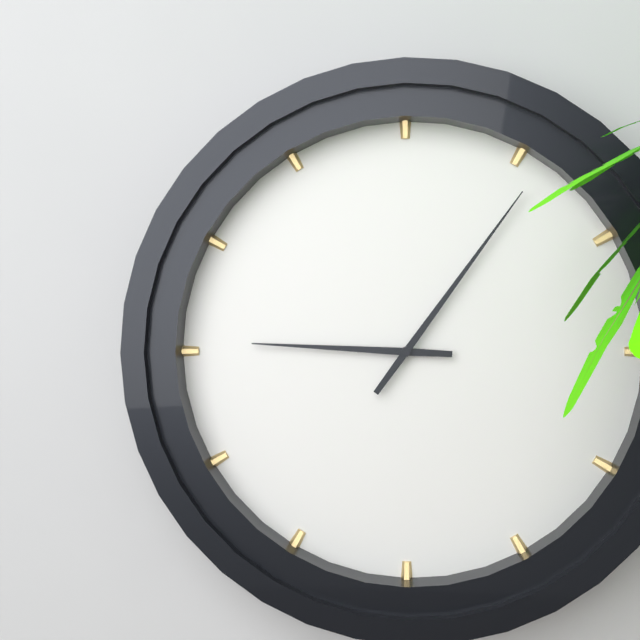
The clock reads h=9 m=6
